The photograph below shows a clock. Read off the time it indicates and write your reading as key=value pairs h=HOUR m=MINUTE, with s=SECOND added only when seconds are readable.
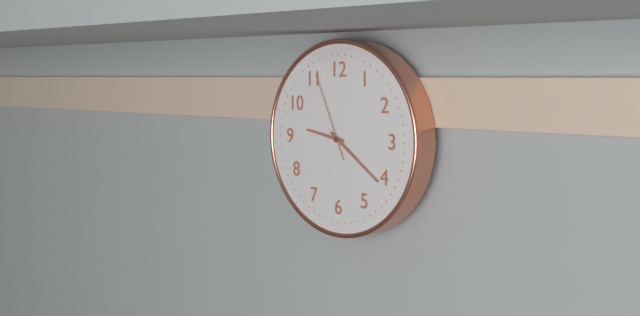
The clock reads h=9 m=21 s=56
